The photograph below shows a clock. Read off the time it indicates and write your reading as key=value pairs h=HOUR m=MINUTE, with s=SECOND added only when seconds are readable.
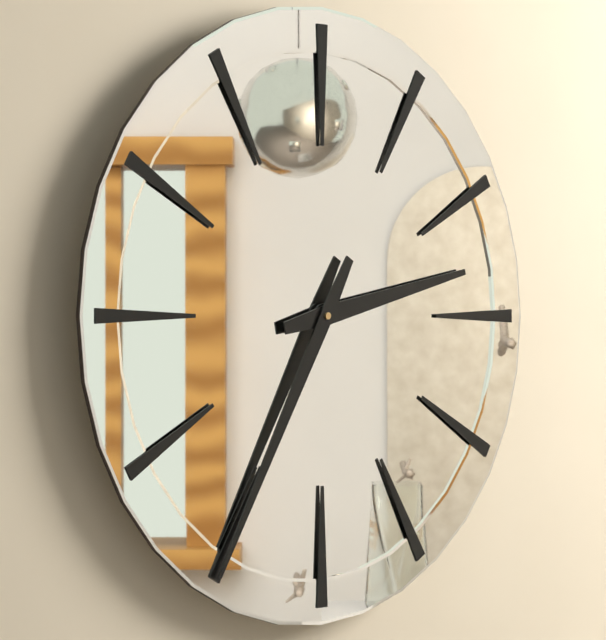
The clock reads h=2 m=35
